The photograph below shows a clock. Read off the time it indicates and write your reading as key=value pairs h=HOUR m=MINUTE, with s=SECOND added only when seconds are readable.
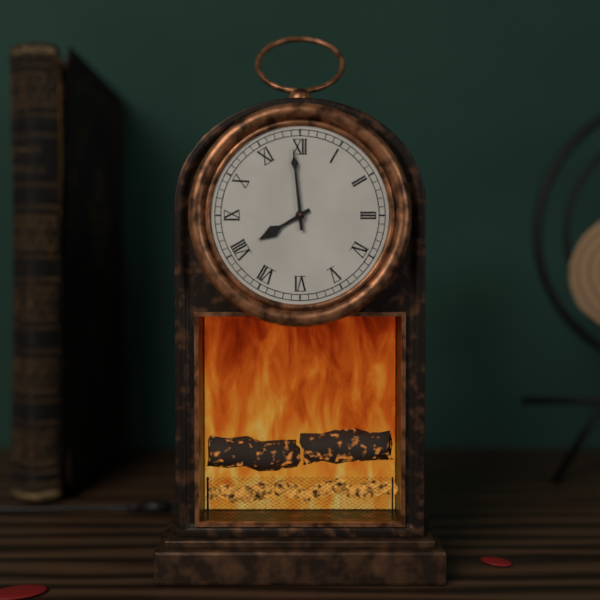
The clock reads h=7 m=59
